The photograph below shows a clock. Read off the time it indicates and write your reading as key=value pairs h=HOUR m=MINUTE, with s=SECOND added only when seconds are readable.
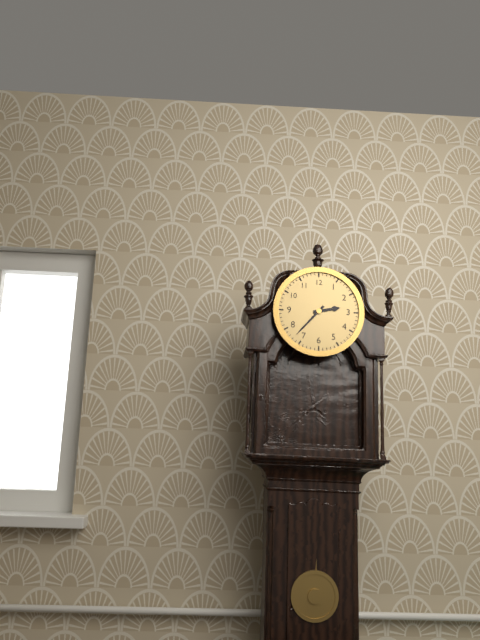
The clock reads h=2 m=37
